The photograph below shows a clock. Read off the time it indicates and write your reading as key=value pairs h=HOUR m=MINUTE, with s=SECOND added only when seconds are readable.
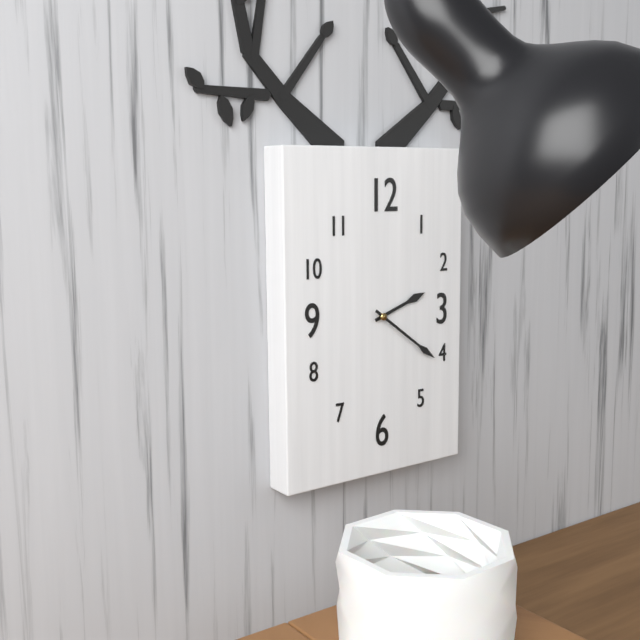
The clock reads h=2 m=21
